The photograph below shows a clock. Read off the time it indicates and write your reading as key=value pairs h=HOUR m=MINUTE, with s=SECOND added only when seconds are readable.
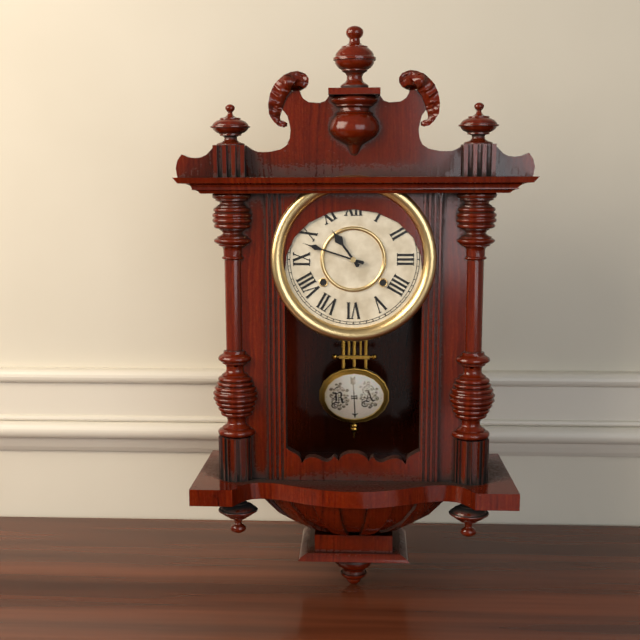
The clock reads h=10 m=48
